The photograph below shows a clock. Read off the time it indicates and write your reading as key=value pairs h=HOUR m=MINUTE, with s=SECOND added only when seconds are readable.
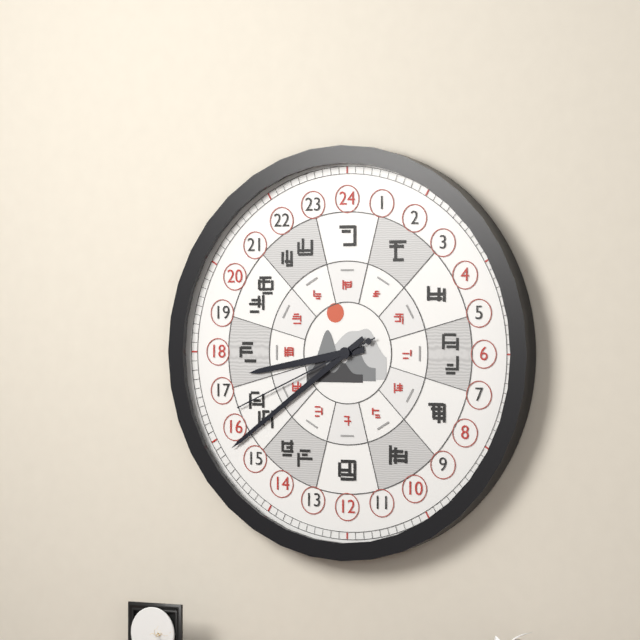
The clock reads h=8 m=39 s=41
